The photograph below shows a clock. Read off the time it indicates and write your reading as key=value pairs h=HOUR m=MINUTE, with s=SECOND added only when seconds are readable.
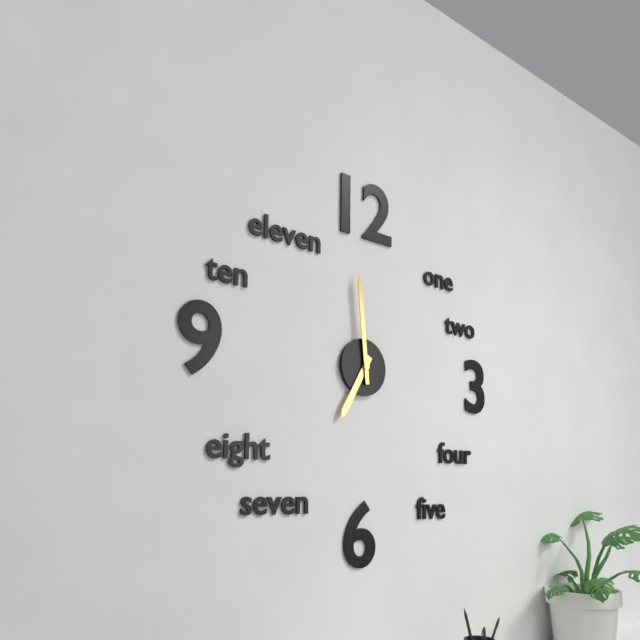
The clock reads h=6 m=59
